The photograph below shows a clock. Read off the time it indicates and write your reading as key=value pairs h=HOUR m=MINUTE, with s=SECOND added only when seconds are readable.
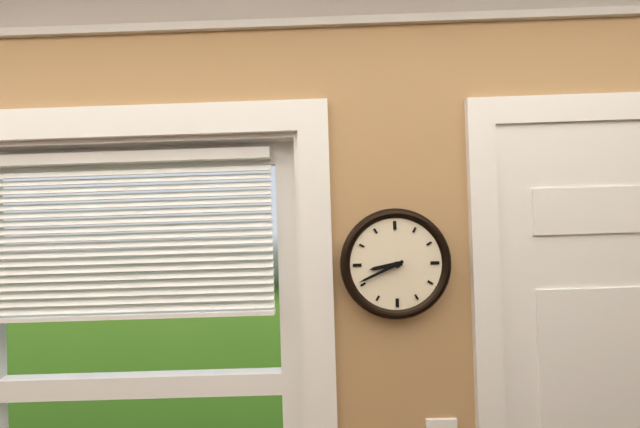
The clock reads h=8 m=41
